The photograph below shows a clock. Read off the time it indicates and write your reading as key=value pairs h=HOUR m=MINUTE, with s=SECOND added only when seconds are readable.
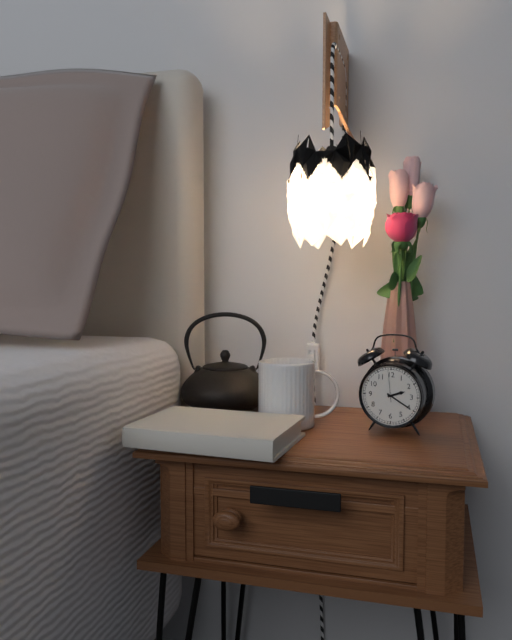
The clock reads h=2 m=20
